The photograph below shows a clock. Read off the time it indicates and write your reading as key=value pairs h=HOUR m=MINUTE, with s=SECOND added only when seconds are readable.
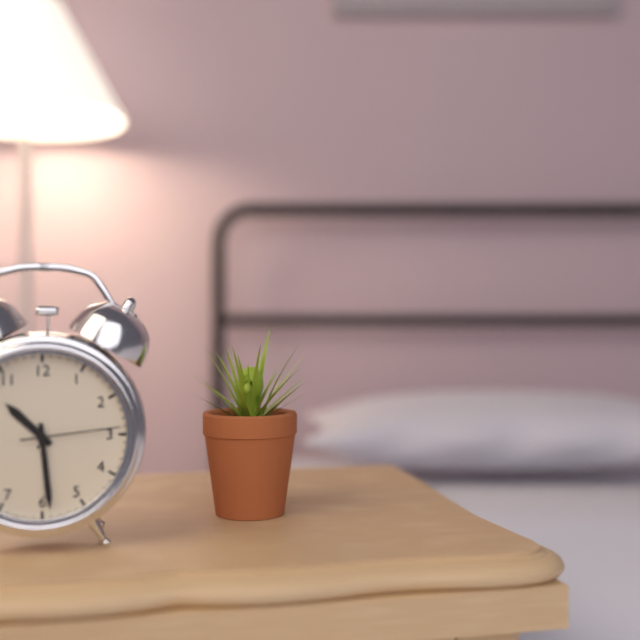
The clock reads h=10 m=29 s=14
